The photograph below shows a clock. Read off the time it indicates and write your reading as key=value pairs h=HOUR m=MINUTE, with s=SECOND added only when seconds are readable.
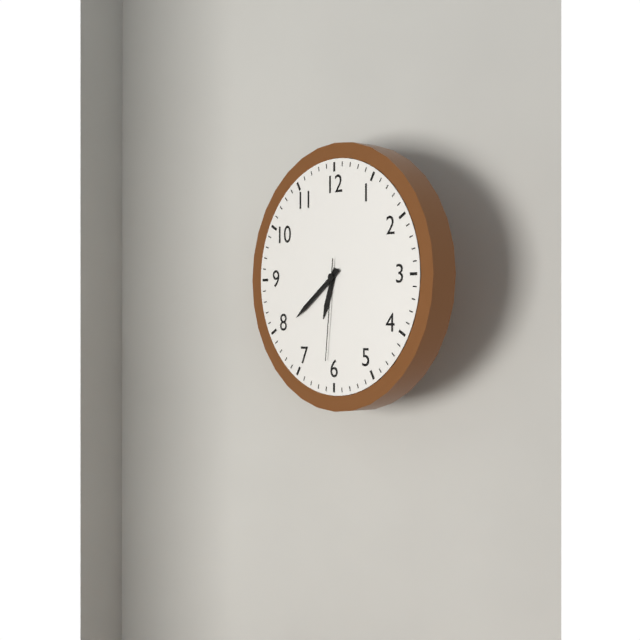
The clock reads h=6 m=39 s=31
